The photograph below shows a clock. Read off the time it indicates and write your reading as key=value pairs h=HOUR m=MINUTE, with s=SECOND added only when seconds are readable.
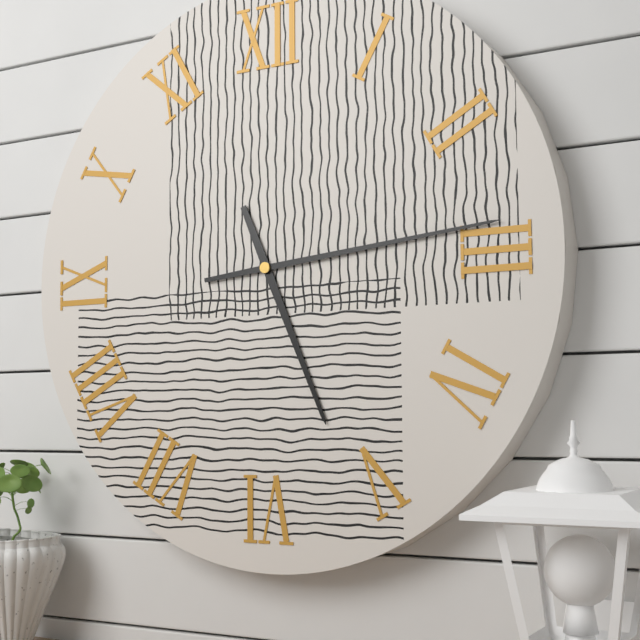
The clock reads h=5 m=14
